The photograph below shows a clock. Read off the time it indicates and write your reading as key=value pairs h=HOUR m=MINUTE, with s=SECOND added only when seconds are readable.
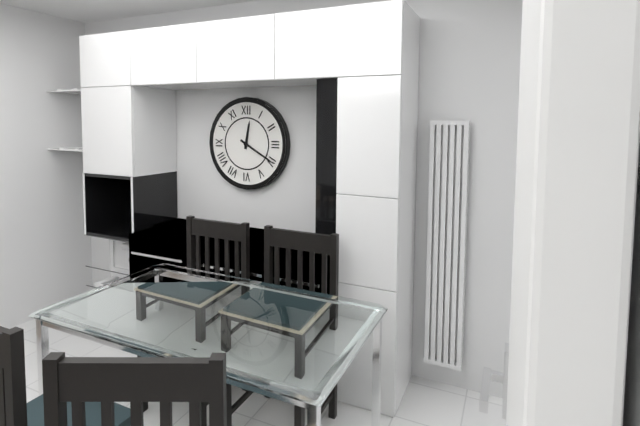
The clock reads h=12 m=20
